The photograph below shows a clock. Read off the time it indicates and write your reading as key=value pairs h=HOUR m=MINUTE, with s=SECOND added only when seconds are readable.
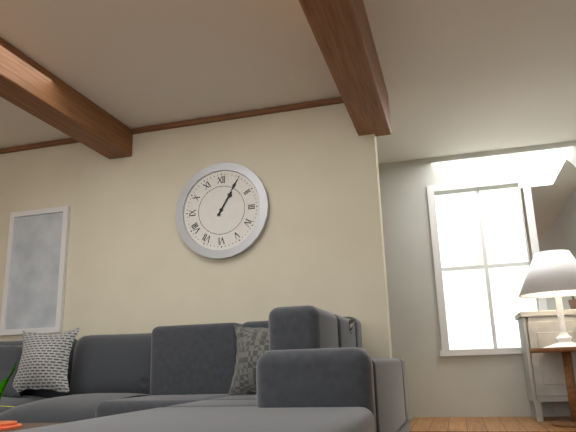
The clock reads h=1 m=5
